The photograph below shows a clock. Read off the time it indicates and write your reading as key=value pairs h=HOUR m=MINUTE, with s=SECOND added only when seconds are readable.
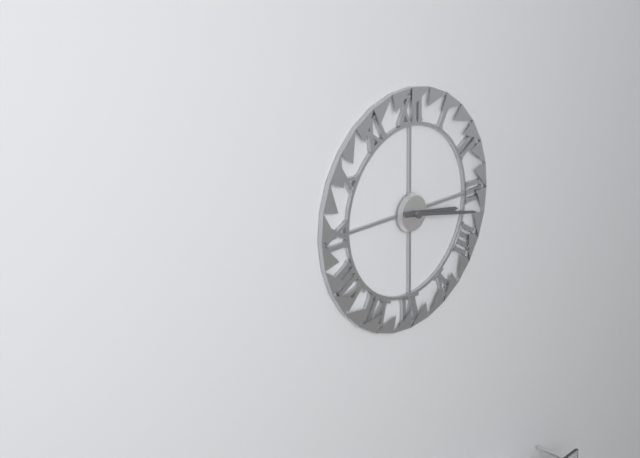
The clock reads h=3 m=17
